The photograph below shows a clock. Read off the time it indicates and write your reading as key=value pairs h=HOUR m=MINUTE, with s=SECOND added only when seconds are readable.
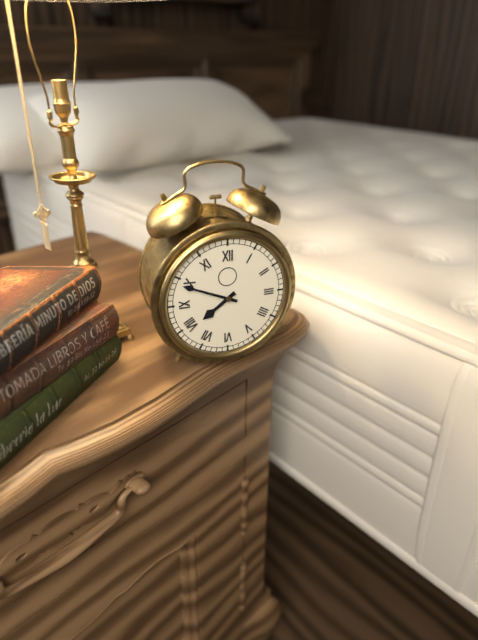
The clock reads h=7 m=49
